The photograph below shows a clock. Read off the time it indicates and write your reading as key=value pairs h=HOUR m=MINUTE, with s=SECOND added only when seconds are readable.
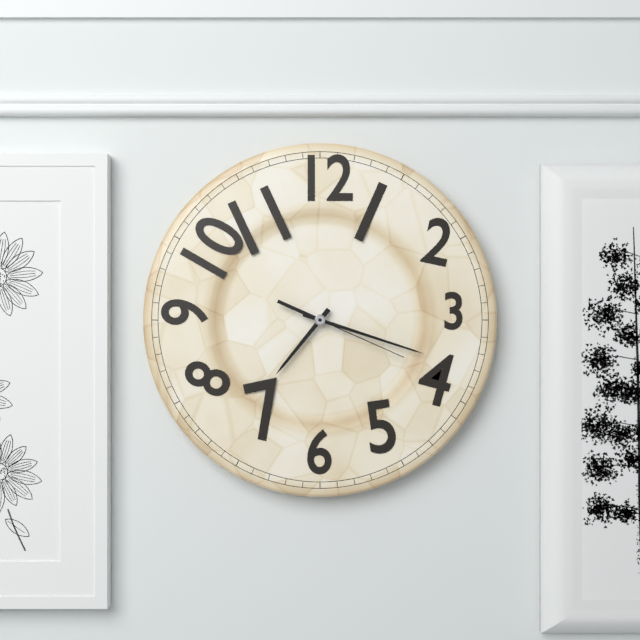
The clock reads h=7 m=18 s=19
